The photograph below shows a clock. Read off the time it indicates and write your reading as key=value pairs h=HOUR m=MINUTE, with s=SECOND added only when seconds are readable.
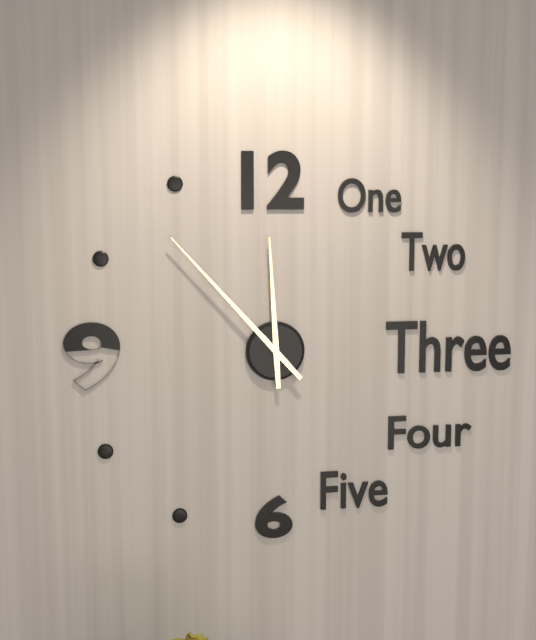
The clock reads h=11 m=53
